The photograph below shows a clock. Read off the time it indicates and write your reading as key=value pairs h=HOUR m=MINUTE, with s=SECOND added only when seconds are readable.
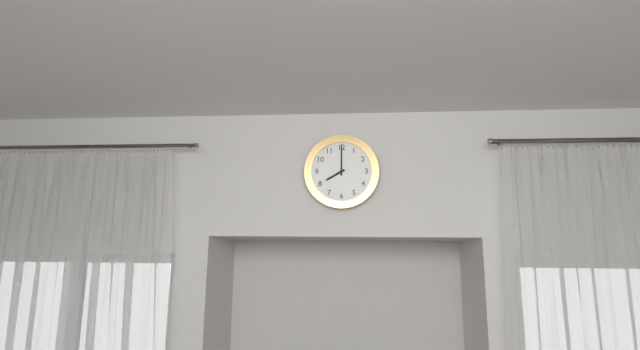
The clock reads h=8 m=0
